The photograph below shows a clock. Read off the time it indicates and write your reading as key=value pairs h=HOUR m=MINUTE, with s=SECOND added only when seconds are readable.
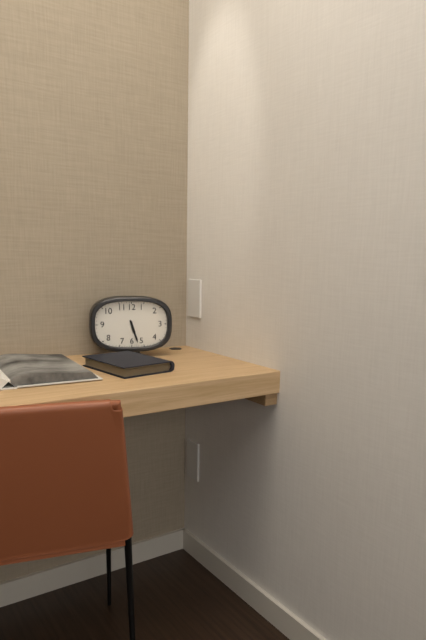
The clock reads h=5 m=27
